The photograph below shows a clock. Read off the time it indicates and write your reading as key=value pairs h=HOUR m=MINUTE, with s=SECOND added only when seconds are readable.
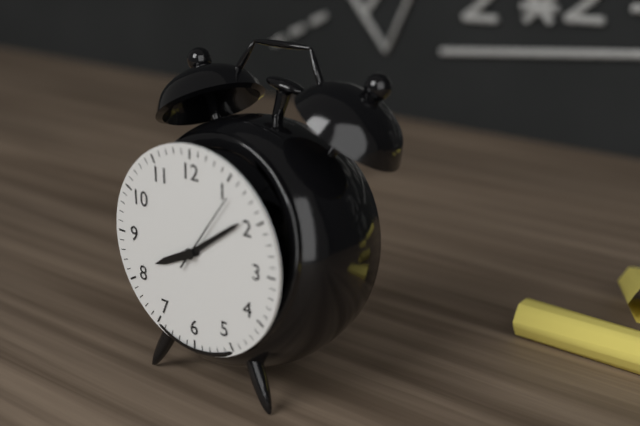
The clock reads h=8 m=9 s=6
